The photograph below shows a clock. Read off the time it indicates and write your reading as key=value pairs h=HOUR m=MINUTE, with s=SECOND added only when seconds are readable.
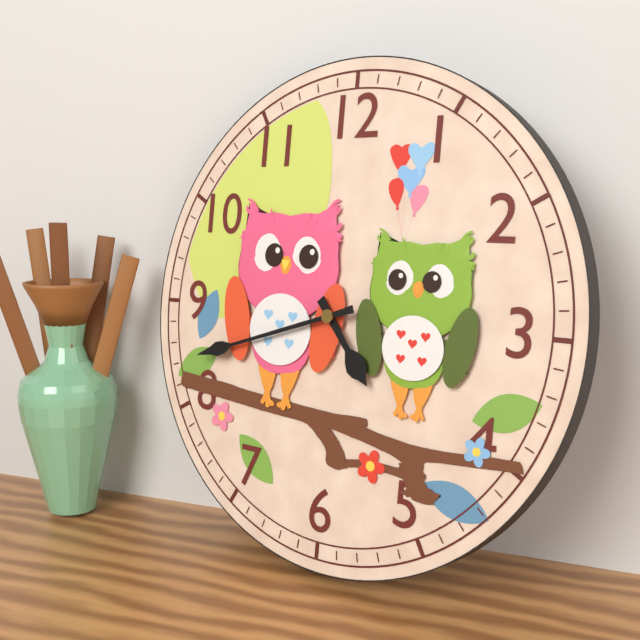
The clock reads h=4 m=42
